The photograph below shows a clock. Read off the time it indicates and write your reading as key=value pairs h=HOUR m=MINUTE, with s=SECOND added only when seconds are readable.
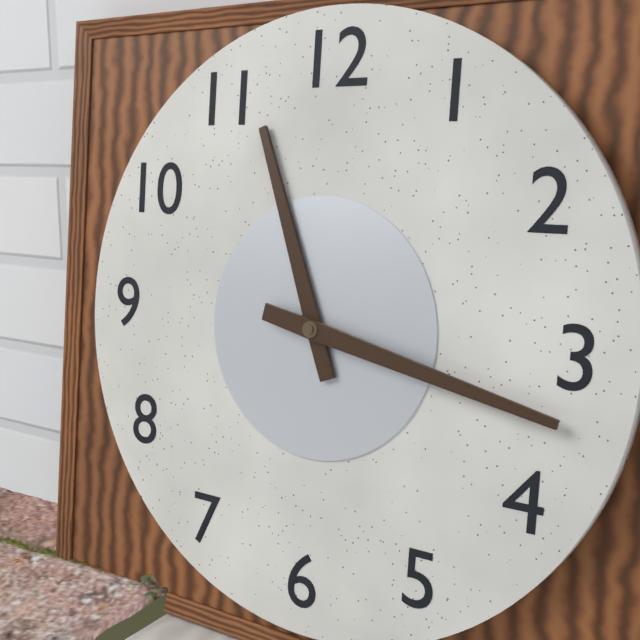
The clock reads h=11 m=17
